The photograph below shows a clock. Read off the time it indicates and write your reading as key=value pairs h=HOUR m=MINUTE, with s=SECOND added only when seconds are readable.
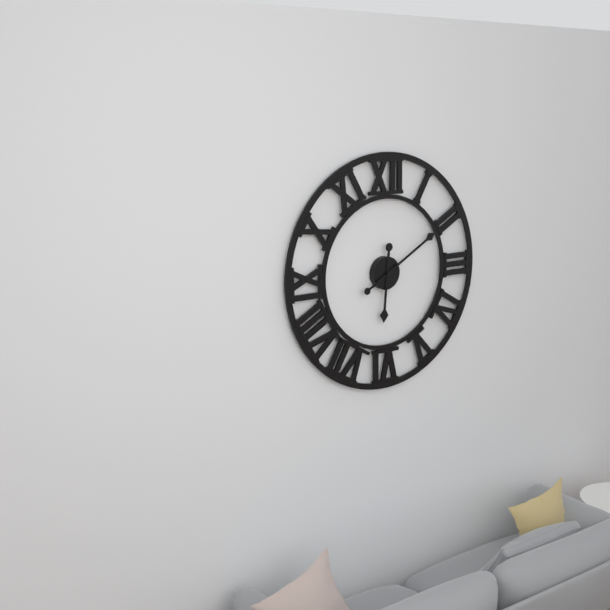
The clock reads h=6 m=10
